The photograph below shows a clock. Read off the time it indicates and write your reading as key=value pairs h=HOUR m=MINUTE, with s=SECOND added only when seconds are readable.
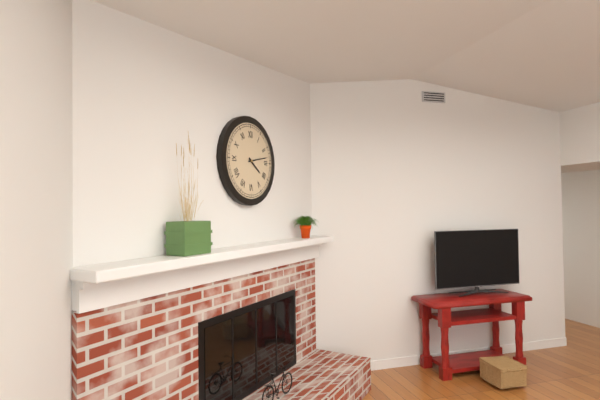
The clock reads h=4 m=13
